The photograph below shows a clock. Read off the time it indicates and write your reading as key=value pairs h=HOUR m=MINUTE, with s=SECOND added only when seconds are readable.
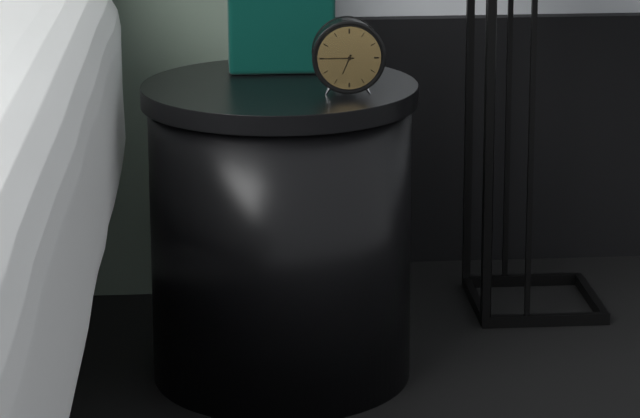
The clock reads h=6 m=45
